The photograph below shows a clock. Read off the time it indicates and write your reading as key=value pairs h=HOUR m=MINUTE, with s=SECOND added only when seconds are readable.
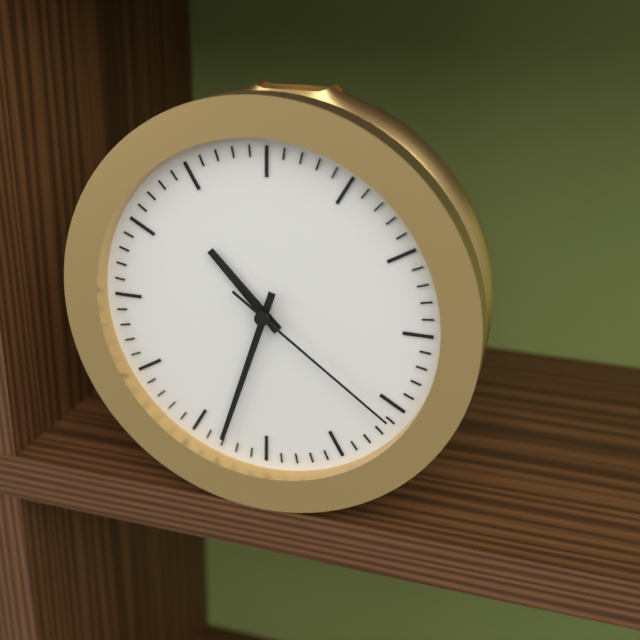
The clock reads h=10 m=33 s=21
